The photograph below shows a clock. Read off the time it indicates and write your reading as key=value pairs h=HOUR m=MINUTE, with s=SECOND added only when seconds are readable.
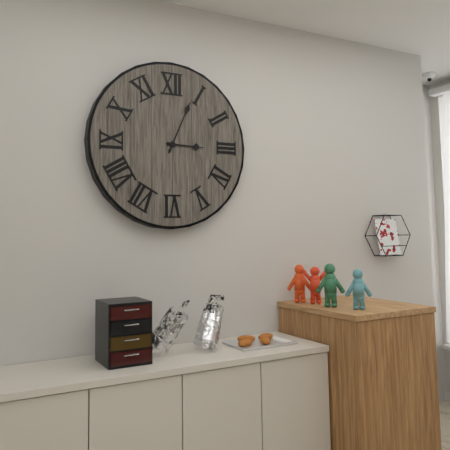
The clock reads h=3 m=4
